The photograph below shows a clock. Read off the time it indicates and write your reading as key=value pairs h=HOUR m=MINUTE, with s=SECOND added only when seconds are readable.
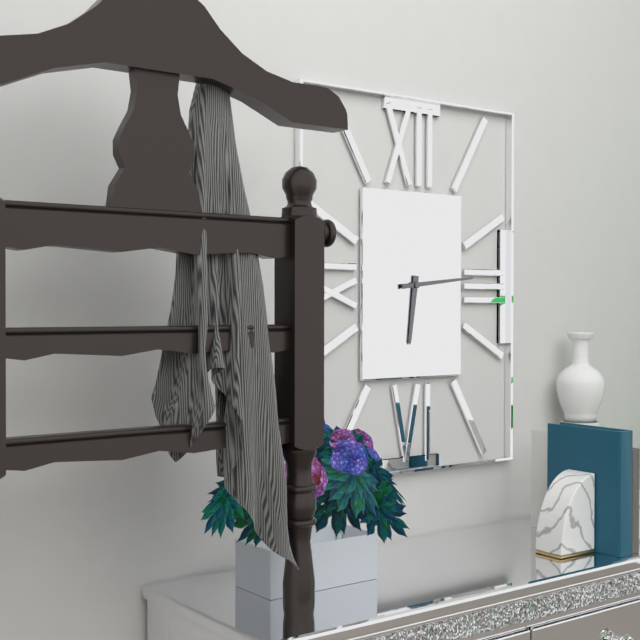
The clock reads h=6 m=14
